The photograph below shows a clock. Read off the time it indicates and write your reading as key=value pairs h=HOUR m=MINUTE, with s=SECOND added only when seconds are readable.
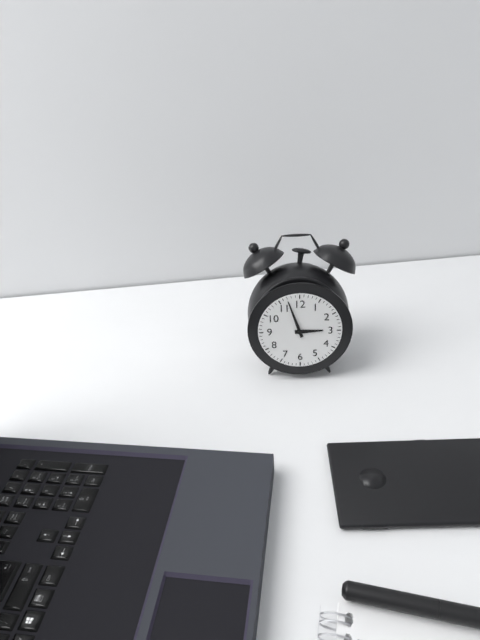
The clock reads h=2 m=57
